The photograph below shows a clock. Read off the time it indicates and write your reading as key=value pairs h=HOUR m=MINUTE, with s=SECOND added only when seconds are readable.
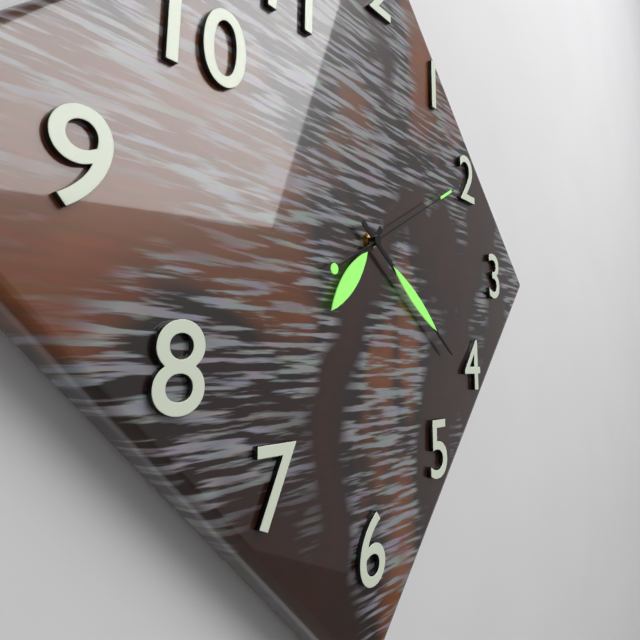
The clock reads h=7 m=21 s=10
